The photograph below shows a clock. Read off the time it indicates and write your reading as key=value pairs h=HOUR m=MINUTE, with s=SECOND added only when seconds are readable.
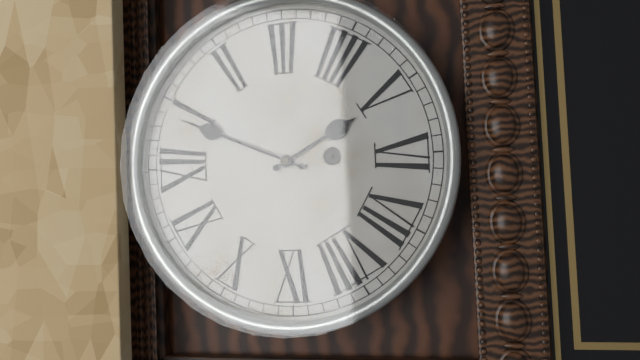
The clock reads h=5 m=4
